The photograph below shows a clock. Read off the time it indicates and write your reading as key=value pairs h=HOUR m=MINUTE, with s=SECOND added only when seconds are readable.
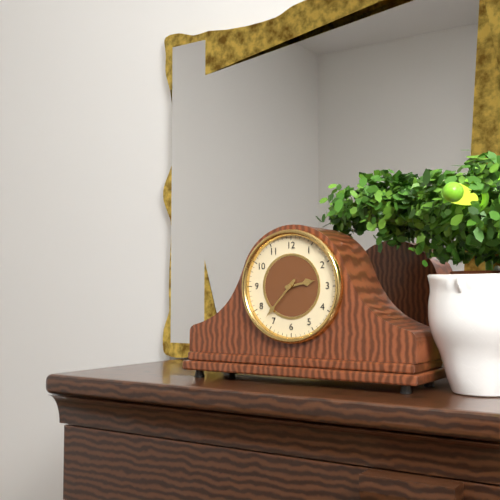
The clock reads h=2 m=37
